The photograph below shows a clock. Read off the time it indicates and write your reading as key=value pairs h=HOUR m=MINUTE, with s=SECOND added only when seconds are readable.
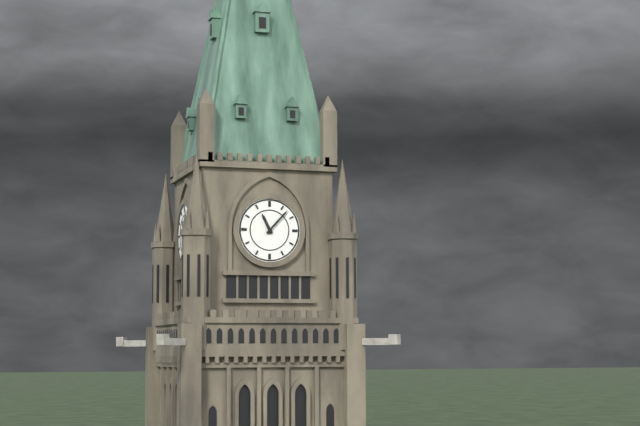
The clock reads h=11 m=7
